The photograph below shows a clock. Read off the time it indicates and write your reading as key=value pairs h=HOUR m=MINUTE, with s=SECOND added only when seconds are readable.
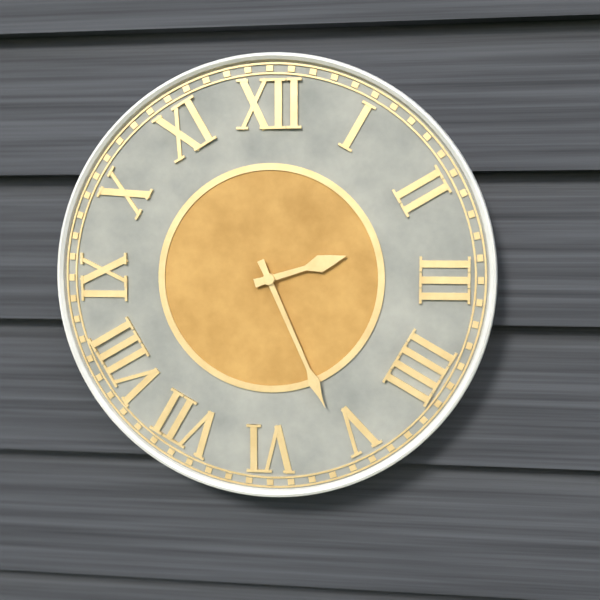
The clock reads h=2 m=26
